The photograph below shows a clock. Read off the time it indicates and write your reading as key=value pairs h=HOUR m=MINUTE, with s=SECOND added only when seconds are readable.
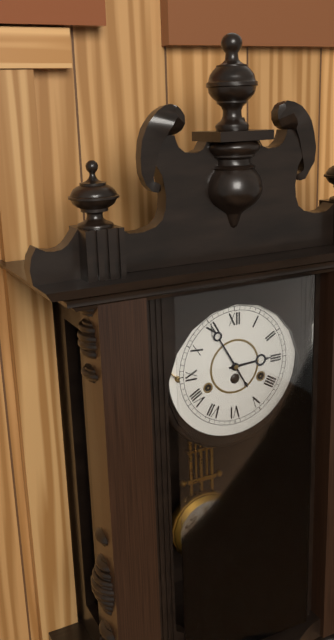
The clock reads h=2 m=55
